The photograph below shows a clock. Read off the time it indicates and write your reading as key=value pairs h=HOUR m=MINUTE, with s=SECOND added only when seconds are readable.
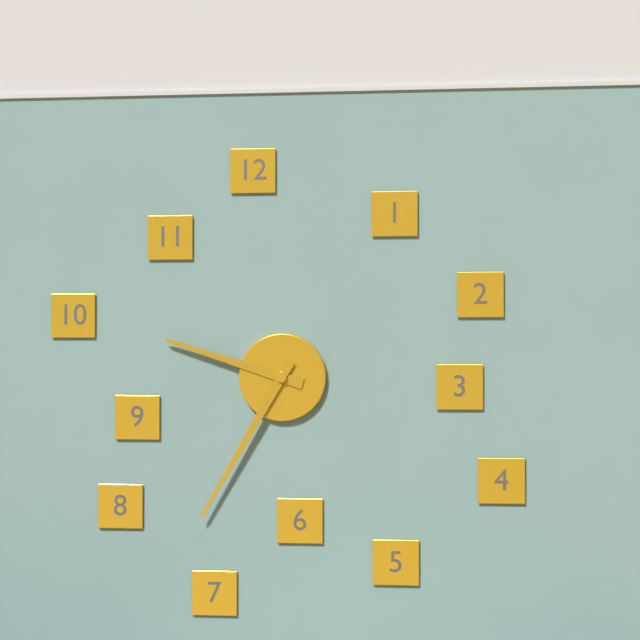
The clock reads h=9 m=35
